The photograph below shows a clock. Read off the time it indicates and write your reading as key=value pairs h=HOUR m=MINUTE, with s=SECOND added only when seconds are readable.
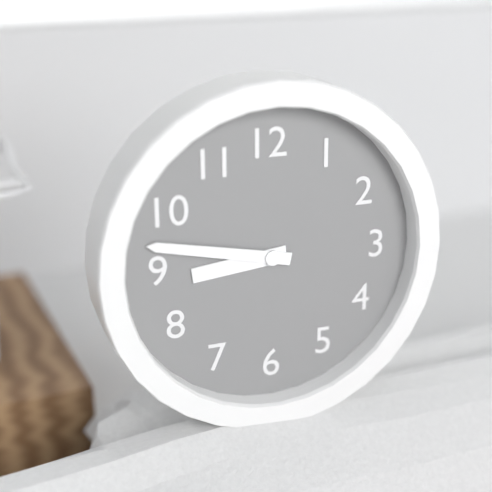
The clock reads h=8 m=47
